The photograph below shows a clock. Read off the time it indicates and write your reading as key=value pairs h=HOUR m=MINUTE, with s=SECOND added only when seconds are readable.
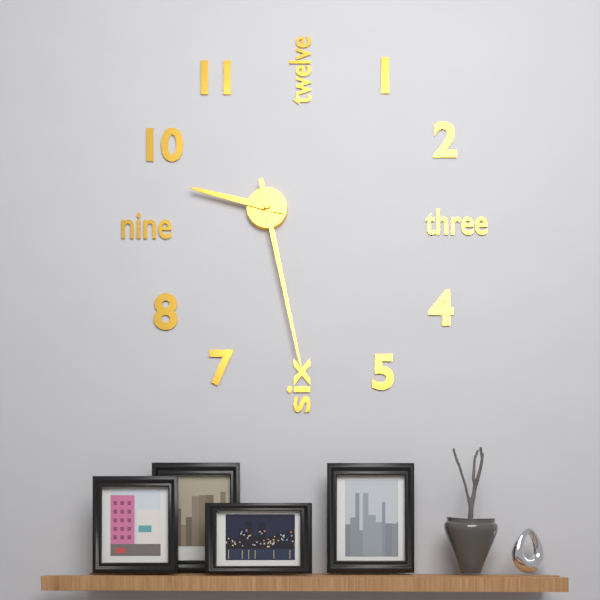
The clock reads h=9 m=28
